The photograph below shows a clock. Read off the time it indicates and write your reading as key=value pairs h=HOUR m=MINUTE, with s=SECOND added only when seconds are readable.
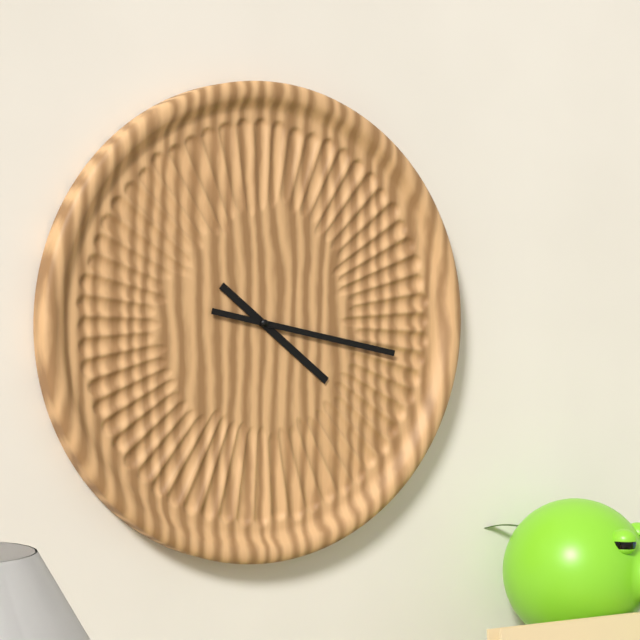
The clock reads h=4 m=17
